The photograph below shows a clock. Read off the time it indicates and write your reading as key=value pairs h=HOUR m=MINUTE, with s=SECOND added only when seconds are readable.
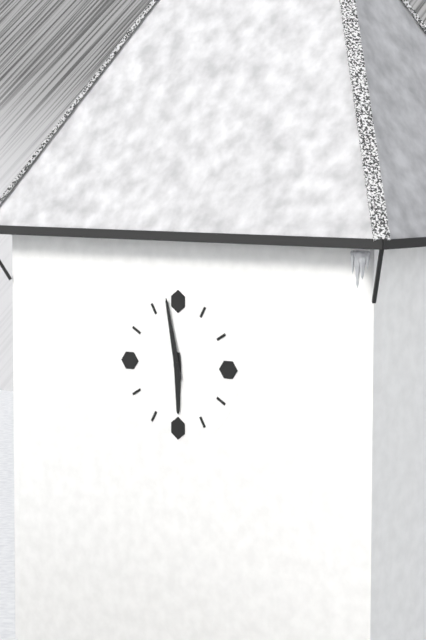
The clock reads h=5 m=58
